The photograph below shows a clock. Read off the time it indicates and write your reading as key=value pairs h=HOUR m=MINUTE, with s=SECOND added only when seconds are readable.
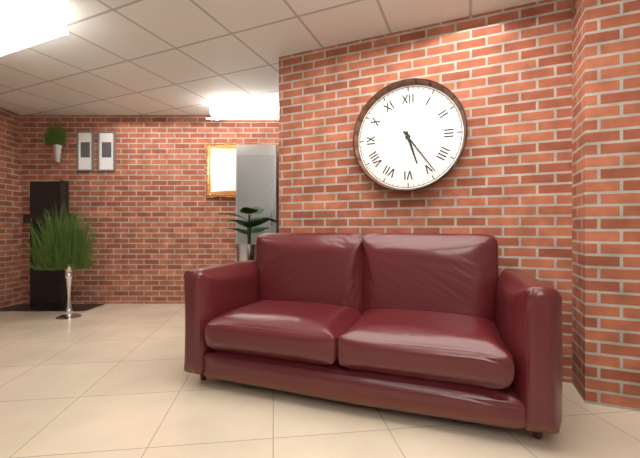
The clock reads h=5 m=24
